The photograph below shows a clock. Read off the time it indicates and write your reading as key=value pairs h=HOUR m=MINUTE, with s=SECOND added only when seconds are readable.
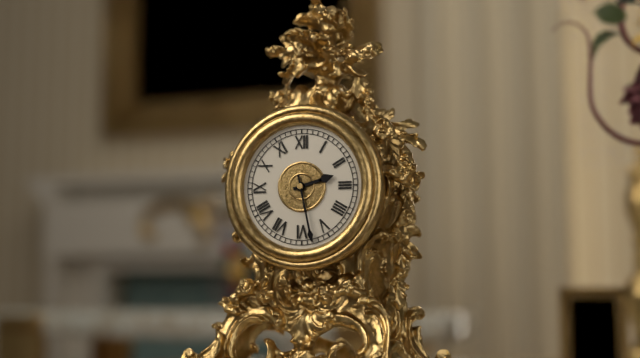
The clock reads h=2 m=28
